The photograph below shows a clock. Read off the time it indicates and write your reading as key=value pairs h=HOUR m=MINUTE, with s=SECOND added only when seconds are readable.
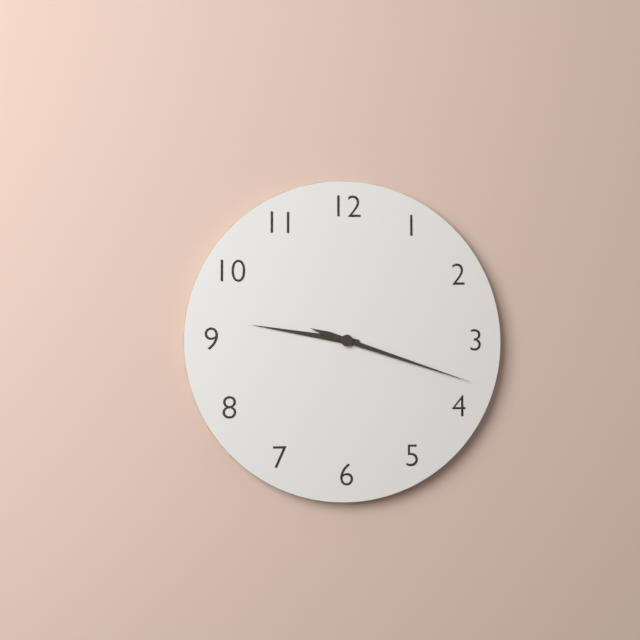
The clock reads h=9 m=18
